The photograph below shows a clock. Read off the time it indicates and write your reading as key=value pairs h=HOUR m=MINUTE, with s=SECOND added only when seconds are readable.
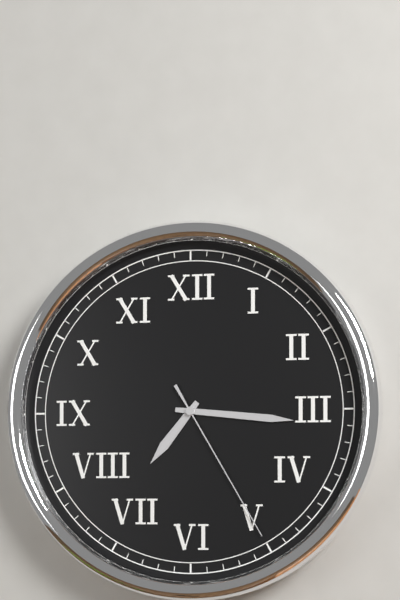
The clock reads h=7 m=16 s=25
